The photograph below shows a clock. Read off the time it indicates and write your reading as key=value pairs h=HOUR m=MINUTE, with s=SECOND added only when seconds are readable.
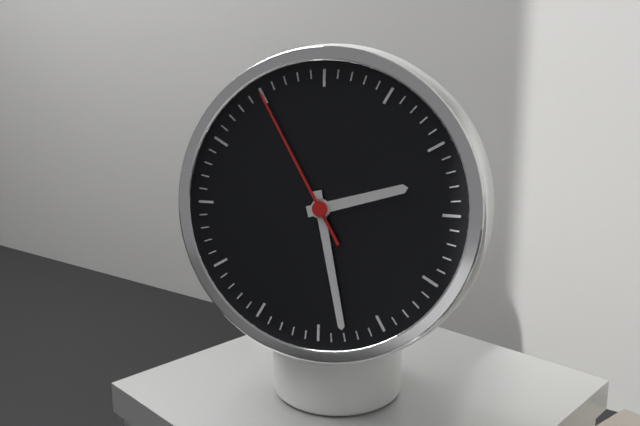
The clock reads h=2 m=28 s=55
